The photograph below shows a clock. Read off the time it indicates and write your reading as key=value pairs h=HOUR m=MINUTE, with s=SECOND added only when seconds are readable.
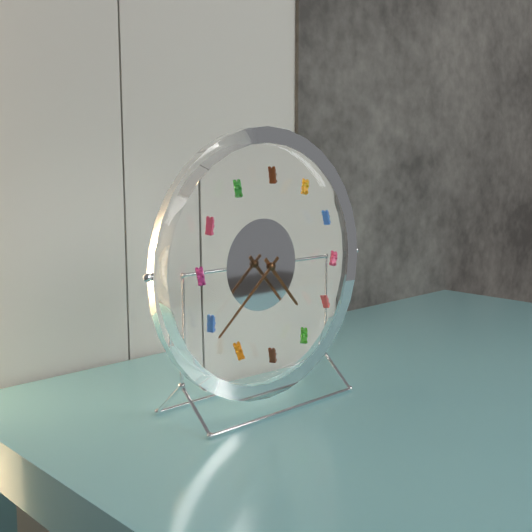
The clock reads h=4 m=38
